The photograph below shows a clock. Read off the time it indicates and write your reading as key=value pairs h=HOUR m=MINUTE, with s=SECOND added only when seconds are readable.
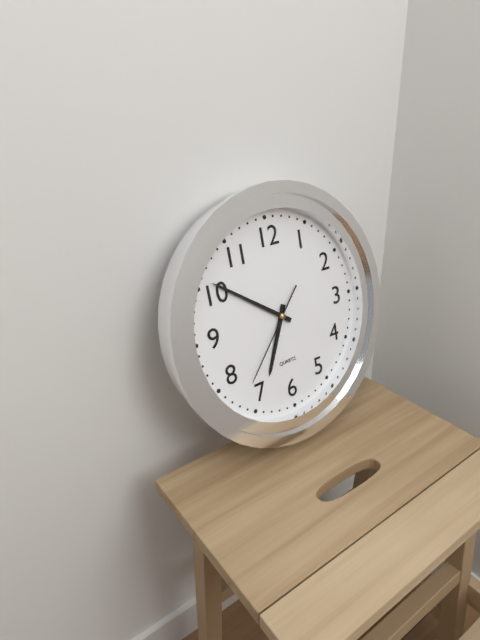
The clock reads h=6 m=51 s=37
